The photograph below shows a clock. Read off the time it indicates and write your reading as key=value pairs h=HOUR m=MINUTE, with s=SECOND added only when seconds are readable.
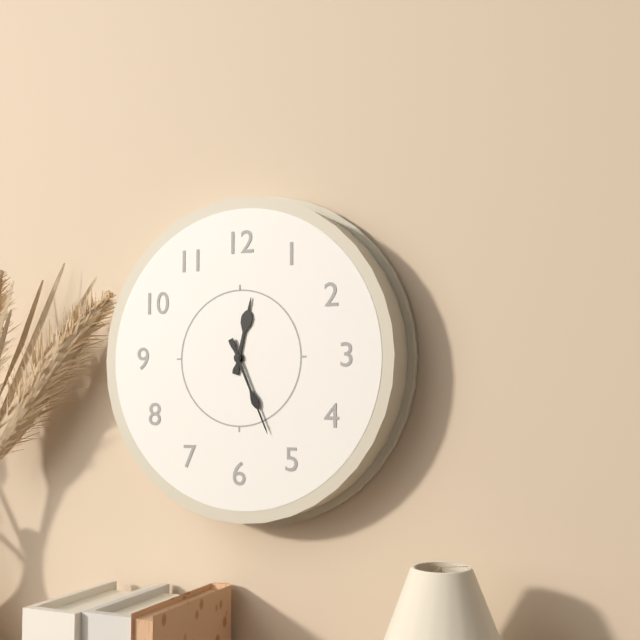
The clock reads h=12 m=26
